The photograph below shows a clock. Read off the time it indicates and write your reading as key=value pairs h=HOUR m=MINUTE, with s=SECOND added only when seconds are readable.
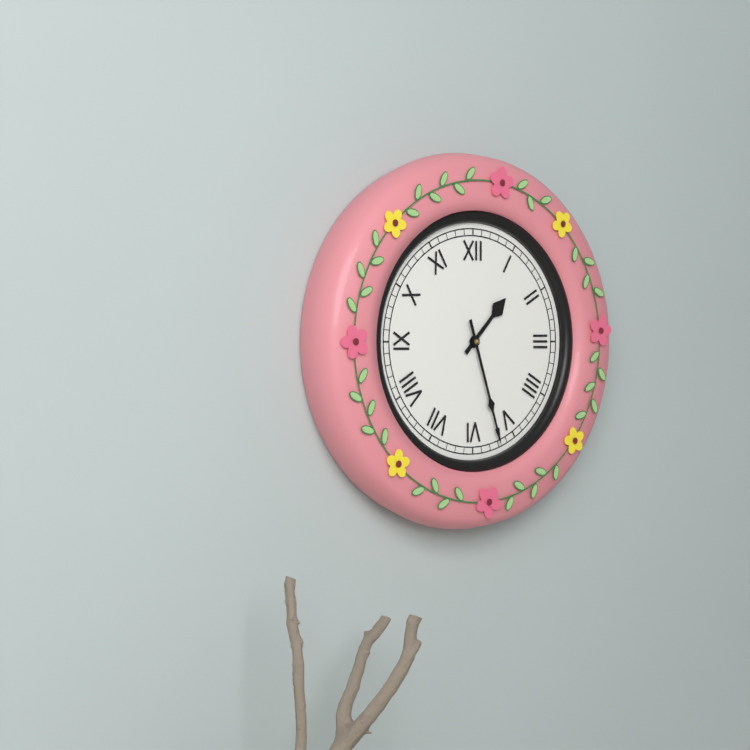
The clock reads h=1 m=27
